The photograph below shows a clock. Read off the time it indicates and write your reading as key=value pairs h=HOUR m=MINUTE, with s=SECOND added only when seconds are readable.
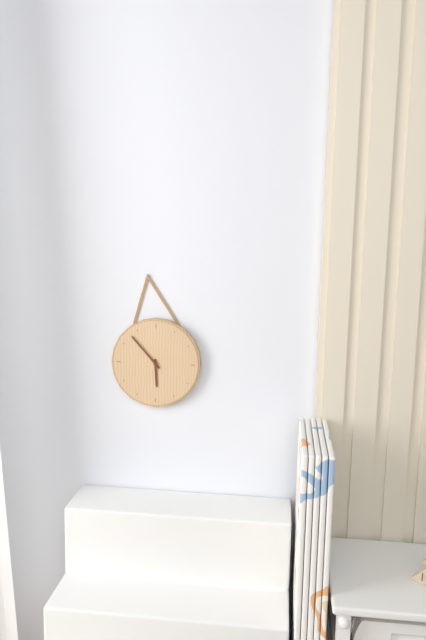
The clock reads h=5 m=53
